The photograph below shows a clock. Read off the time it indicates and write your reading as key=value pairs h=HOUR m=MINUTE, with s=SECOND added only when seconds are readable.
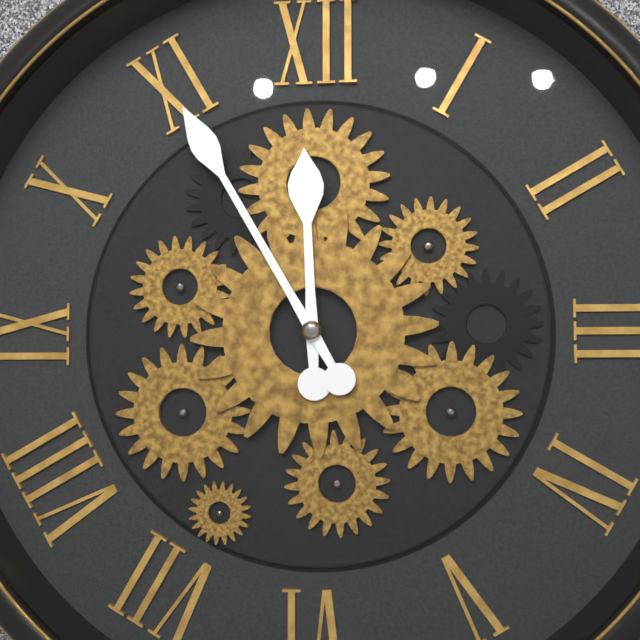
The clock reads h=11 m=55
